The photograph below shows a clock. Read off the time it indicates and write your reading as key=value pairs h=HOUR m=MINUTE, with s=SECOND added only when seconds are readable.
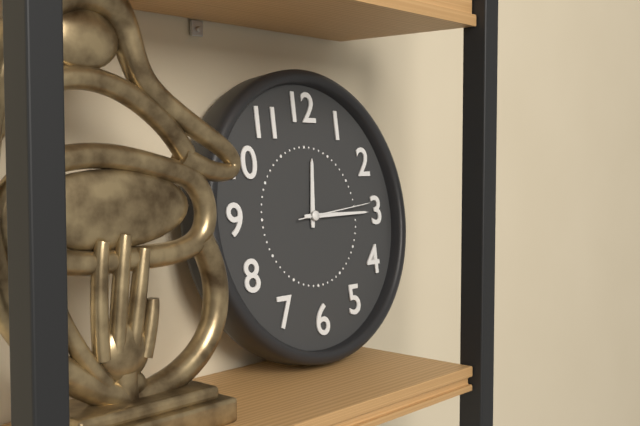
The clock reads h=12 m=15 s=14
